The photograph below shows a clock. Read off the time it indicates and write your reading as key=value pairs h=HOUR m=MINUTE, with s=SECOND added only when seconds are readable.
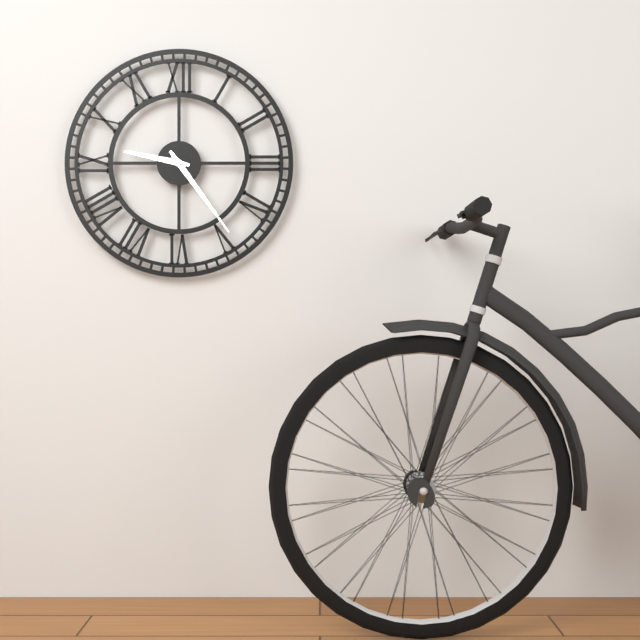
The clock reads h=9 m=24
